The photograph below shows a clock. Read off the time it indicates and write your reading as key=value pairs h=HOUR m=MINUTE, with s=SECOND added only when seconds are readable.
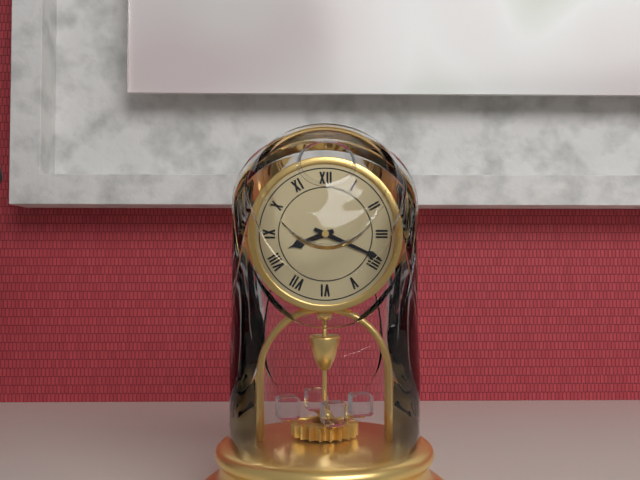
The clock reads h=8 m=19
